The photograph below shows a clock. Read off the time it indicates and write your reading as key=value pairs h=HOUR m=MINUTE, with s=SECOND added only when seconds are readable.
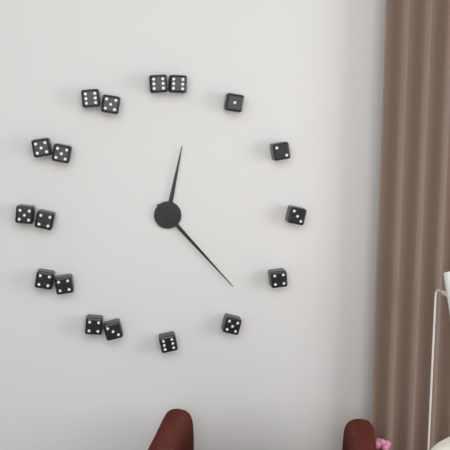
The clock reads h=12 m=23
